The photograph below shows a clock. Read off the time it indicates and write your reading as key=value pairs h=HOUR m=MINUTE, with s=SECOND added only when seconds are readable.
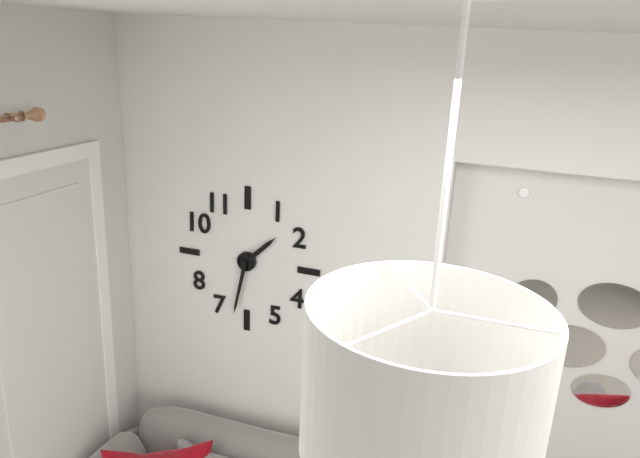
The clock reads h=1 m=32
